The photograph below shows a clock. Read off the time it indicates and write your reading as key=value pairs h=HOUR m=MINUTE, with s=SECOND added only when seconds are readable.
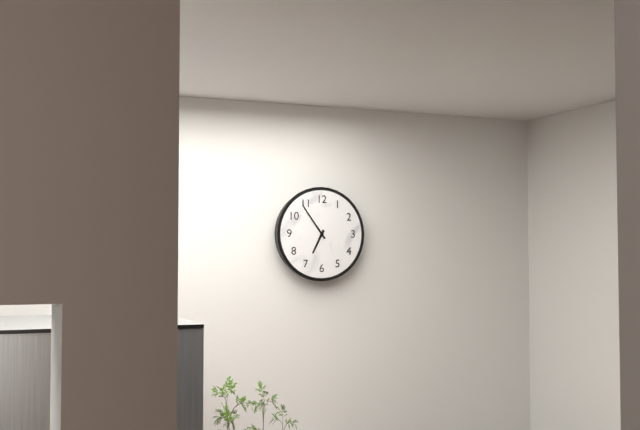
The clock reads h=6 m=54
